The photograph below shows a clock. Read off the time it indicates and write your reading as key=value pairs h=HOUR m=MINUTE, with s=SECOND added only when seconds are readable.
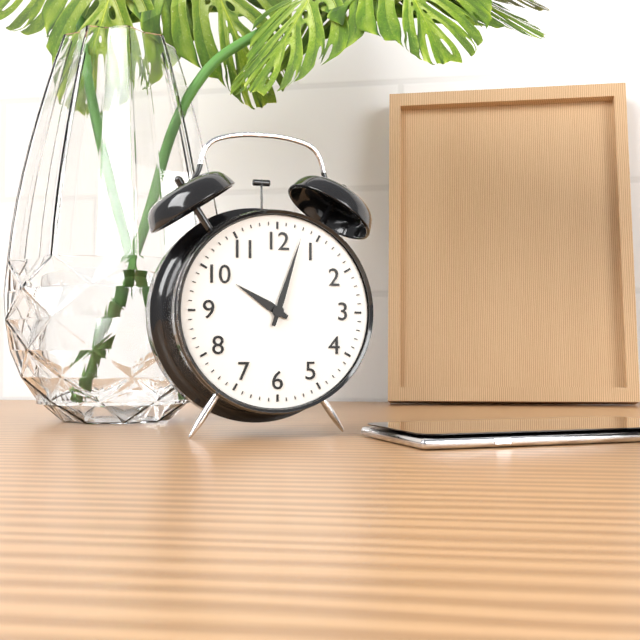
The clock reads h=10 m=3
